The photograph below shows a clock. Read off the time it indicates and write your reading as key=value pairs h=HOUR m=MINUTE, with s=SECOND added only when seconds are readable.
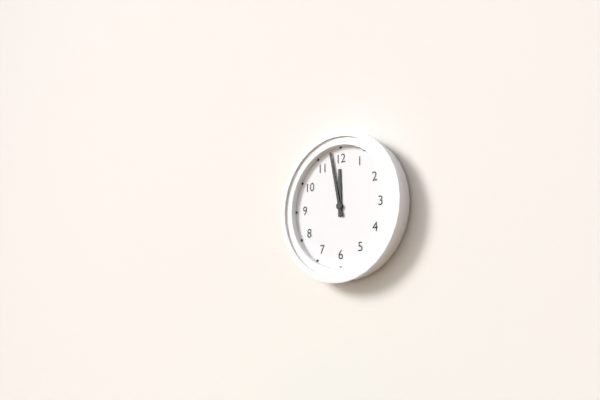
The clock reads h=11 m=58
